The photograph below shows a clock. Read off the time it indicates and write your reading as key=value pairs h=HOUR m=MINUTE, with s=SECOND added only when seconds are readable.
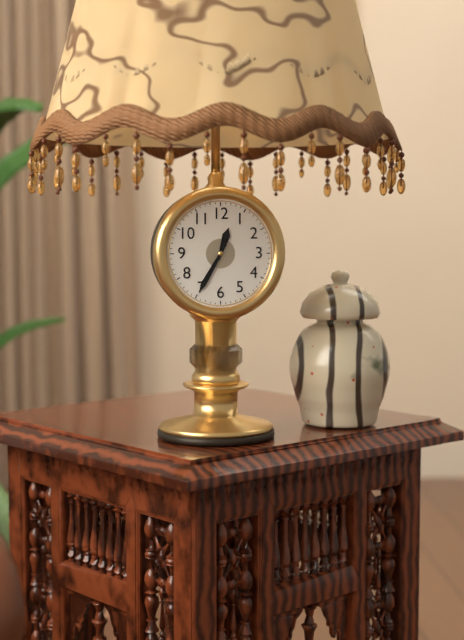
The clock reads h=12 m=35
